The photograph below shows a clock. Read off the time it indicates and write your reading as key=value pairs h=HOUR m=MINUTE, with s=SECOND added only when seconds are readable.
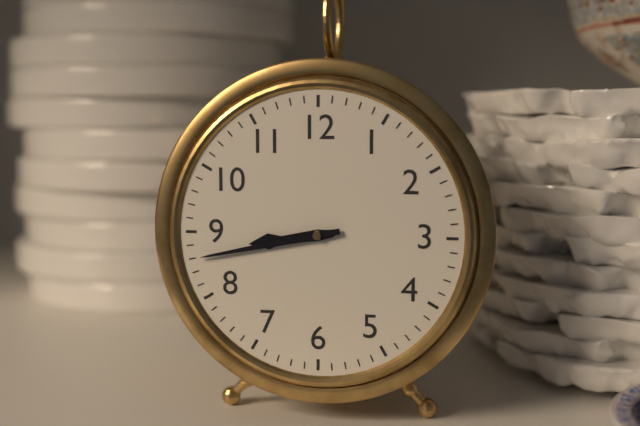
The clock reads h=8 m=43
